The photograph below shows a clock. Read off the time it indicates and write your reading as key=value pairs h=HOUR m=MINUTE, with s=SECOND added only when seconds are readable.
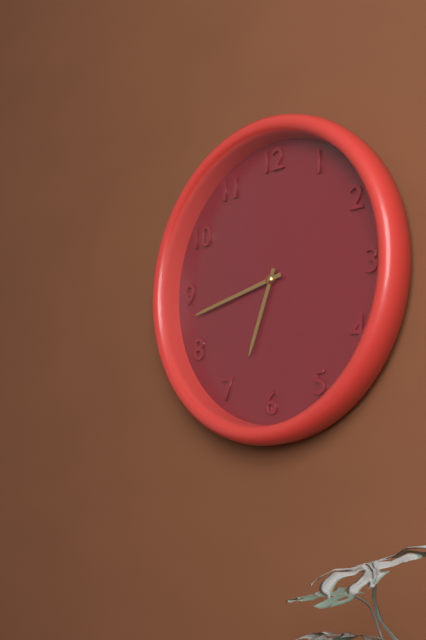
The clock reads h=6 m=43
